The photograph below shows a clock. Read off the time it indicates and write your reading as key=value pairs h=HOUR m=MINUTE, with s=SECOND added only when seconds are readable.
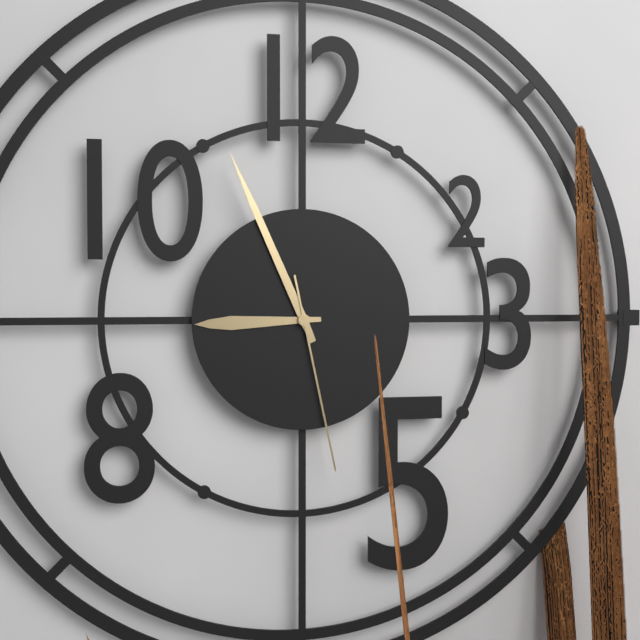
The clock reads h=8 m=56 s=28
